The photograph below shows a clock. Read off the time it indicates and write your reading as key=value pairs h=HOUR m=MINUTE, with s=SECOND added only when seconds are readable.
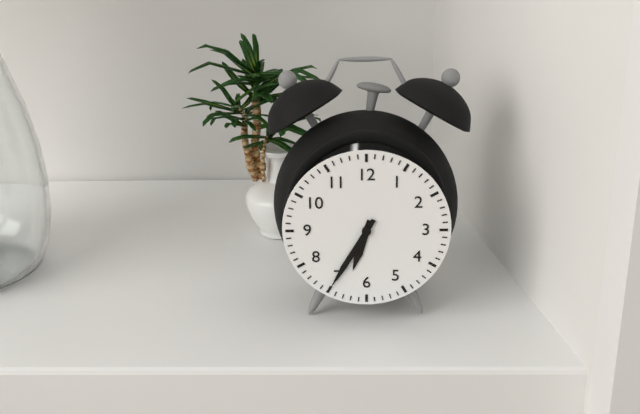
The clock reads h=6 m=35
